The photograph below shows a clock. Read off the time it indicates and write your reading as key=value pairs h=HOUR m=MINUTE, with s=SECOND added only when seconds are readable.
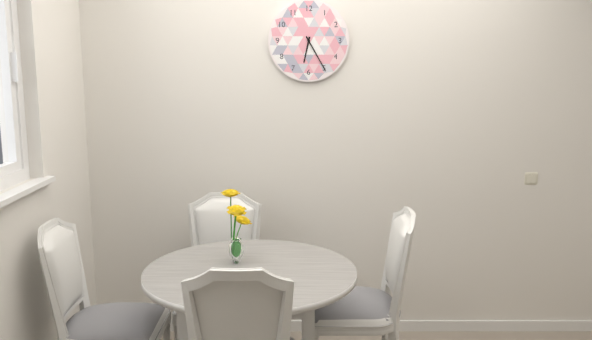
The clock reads h=6 m=25
